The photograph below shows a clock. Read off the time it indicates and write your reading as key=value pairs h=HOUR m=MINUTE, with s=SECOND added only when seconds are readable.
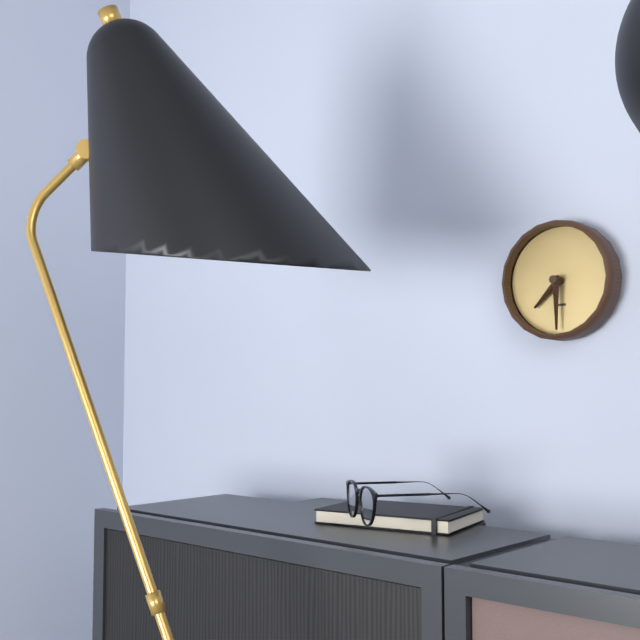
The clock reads h=7 m=30
